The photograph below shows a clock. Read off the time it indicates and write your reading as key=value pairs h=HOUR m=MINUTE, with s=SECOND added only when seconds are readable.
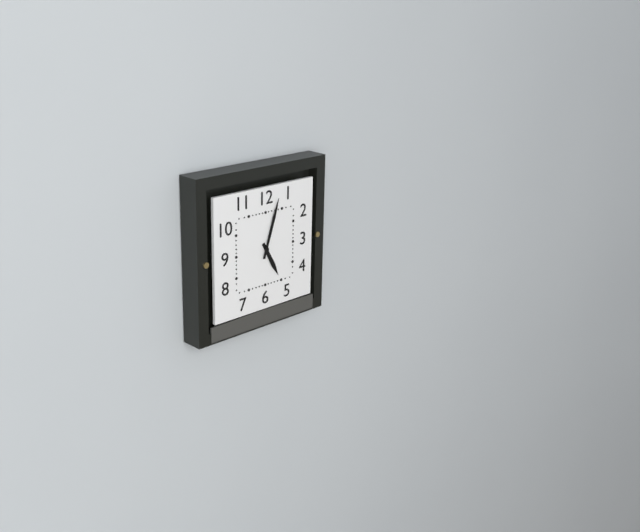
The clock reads h=5 m=3
